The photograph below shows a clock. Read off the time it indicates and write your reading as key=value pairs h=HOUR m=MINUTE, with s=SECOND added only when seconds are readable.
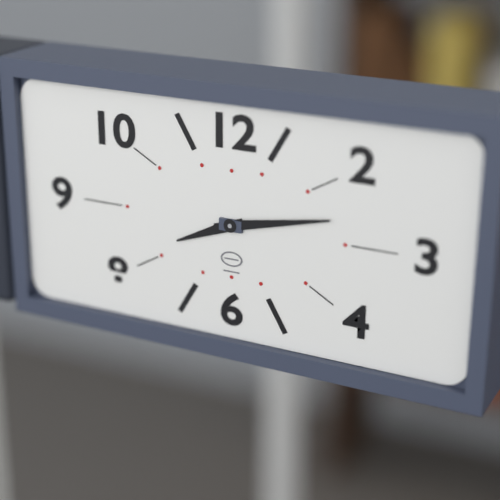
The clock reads h=8 m=13
